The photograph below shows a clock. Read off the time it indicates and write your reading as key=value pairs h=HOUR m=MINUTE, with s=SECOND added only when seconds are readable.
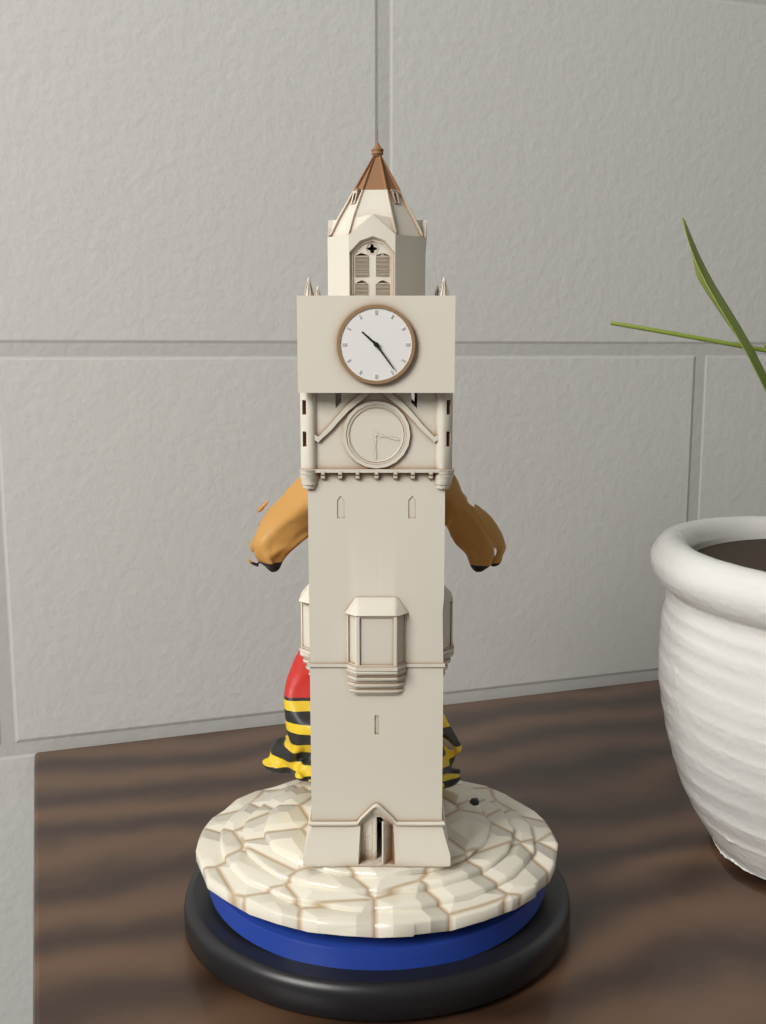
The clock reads h=10 m=24
